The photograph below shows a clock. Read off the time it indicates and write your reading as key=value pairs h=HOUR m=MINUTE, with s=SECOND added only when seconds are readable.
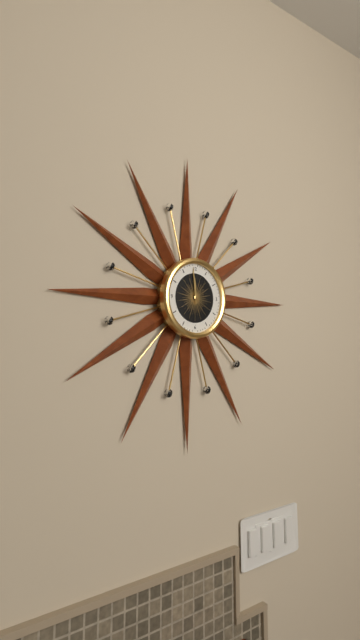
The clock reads h=11 m=59
